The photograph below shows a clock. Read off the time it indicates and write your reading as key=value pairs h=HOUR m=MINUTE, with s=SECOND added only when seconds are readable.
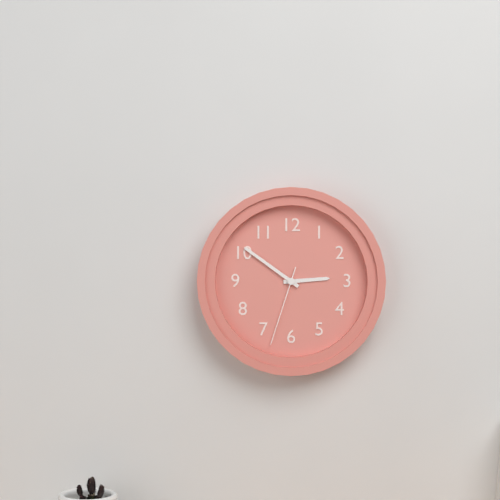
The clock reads h=2 m=51 s=33
